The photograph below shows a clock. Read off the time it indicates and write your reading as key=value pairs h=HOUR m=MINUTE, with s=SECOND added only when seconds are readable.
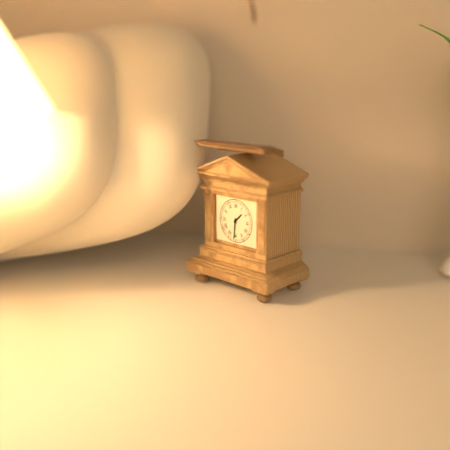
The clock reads h=1 m=31
